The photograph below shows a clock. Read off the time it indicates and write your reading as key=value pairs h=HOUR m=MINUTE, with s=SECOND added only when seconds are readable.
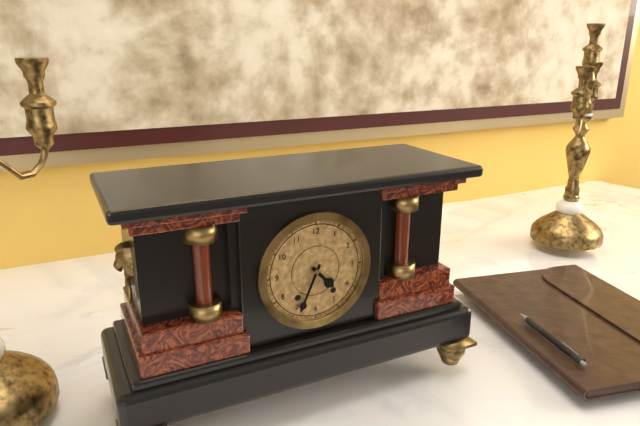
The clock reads h=4 m=34
